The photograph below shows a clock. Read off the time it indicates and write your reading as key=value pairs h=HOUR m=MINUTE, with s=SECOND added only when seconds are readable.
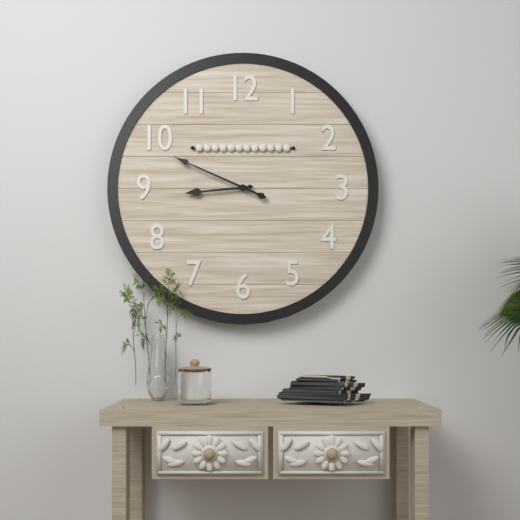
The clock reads h=8 m=49
